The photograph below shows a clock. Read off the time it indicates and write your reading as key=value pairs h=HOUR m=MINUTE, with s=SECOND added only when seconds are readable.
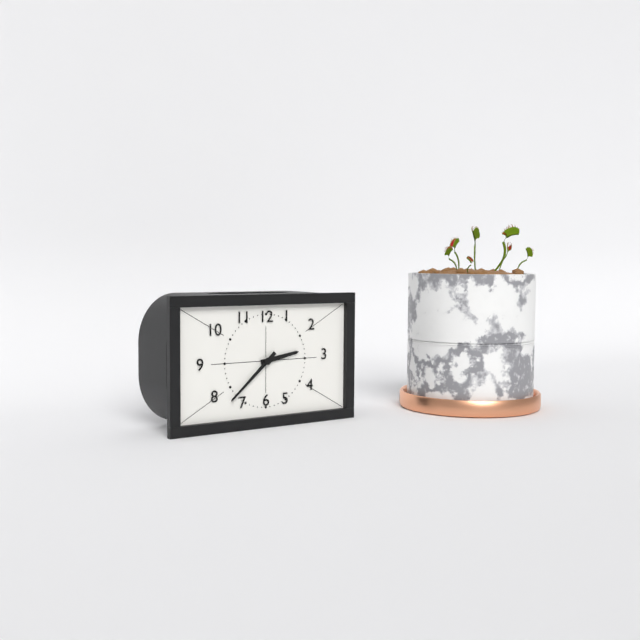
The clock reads h=2 m=38
